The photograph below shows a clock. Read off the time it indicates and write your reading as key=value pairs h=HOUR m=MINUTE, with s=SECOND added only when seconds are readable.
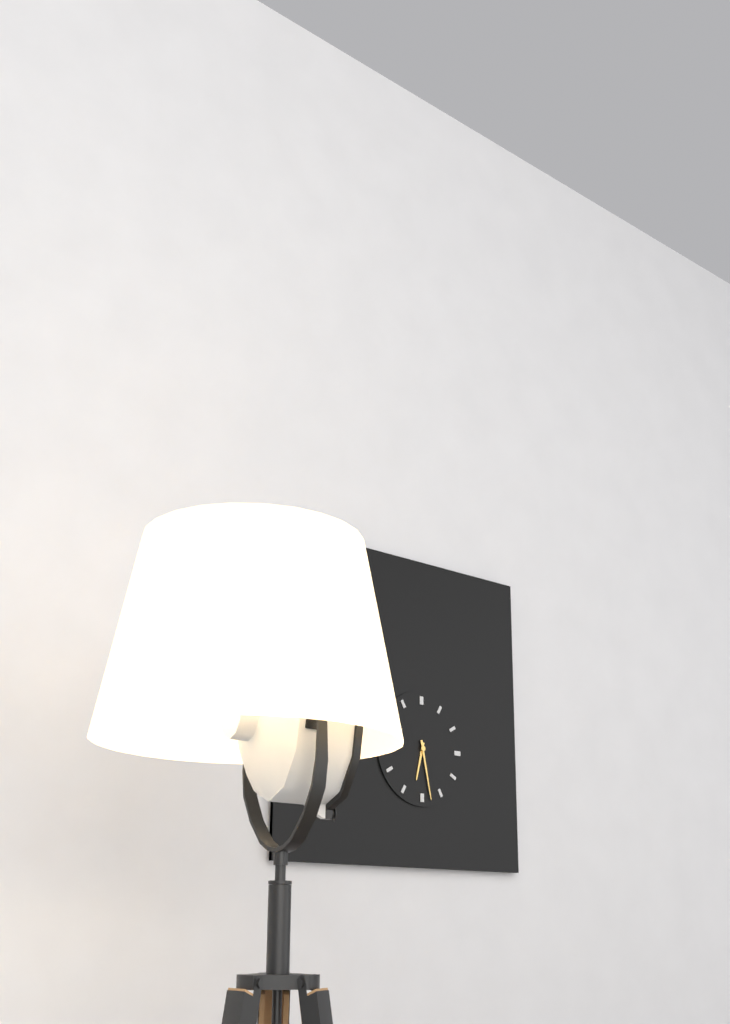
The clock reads h=6 m=28
